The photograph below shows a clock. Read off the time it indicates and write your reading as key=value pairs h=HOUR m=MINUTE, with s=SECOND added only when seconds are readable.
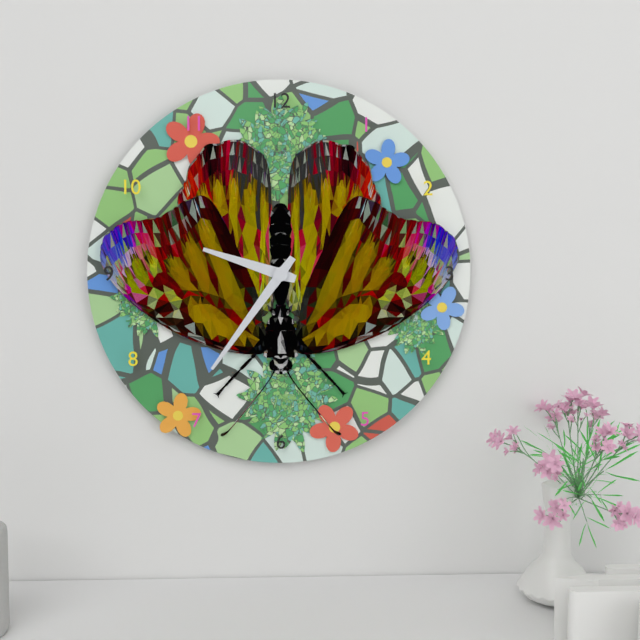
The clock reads h=9 m=36
